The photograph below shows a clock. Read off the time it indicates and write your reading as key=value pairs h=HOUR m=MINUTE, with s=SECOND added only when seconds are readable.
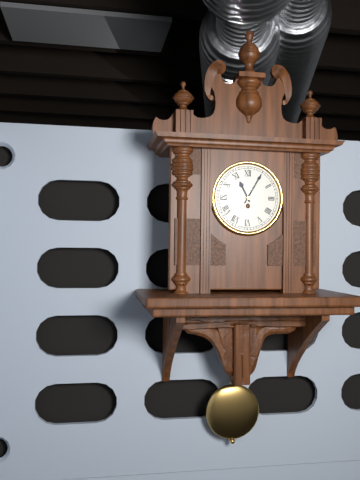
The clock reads h=11 m=5
